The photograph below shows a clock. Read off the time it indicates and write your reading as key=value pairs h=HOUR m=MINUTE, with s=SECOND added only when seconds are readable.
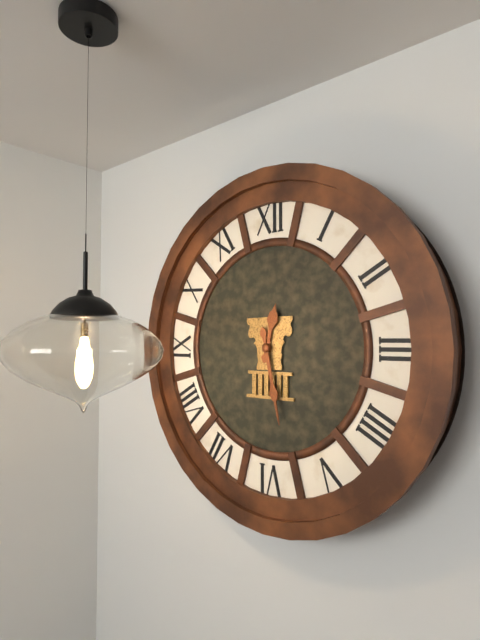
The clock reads h=12 m=28
